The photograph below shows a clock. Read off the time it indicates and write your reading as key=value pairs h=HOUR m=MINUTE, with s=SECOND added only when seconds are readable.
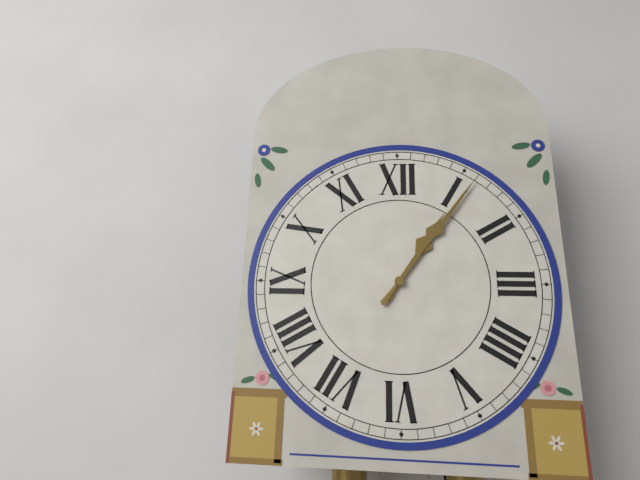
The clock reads h=1 m=6
